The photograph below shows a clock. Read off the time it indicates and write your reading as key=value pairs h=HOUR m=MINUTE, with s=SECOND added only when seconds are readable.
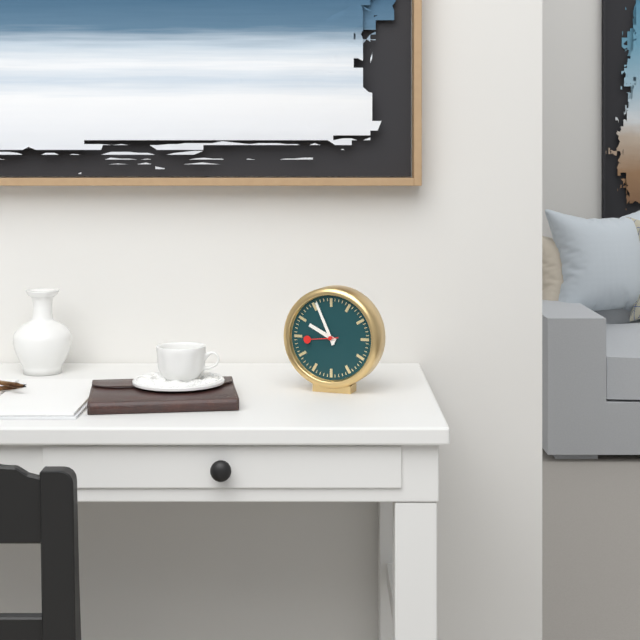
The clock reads h=9 m=56
